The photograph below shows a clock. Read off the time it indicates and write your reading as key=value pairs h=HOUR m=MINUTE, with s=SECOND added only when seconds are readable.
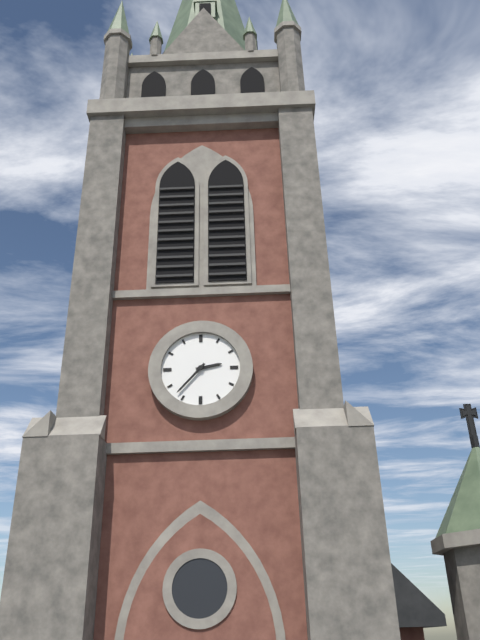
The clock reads h=2 m=37
